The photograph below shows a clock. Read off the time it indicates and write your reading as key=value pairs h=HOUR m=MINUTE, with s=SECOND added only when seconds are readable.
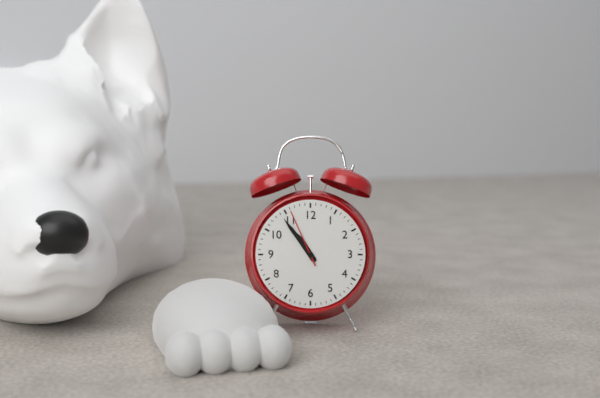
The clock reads h=10 m=54 s=56
